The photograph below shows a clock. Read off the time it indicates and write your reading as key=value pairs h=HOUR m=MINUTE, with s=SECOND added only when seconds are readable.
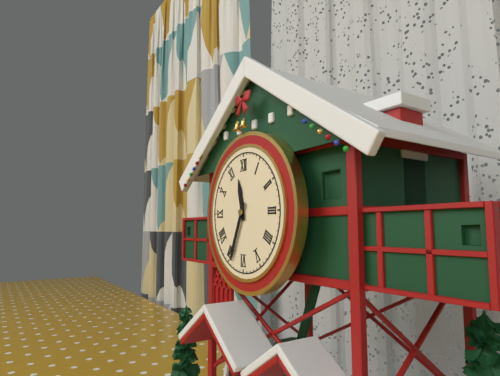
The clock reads h=11 m=34
